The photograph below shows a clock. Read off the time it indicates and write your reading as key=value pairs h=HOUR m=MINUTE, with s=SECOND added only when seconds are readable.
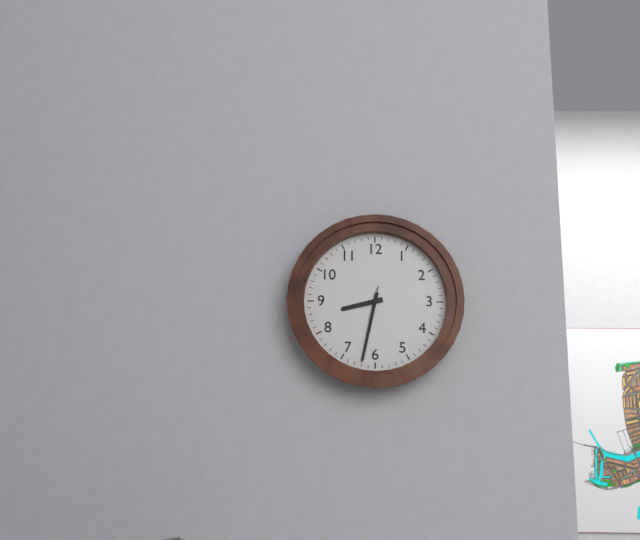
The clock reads h=8 m=32 s=32
